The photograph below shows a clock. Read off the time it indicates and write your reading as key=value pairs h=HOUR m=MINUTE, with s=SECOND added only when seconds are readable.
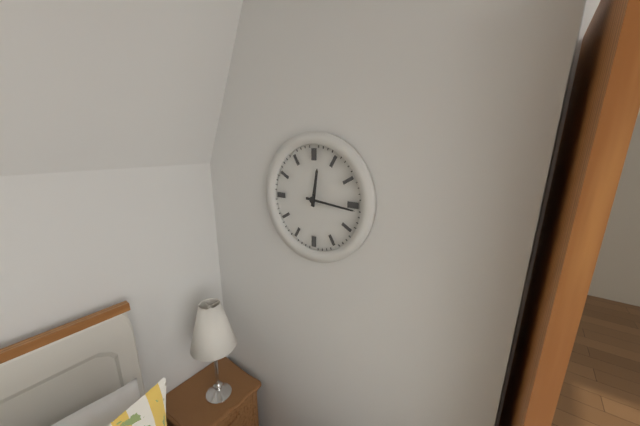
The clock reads h=12 m=16
